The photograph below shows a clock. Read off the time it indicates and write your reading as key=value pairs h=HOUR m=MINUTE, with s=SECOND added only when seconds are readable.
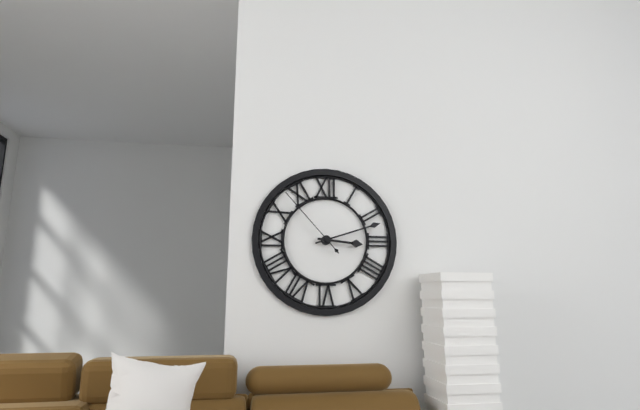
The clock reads h=3 m=12 s=53
